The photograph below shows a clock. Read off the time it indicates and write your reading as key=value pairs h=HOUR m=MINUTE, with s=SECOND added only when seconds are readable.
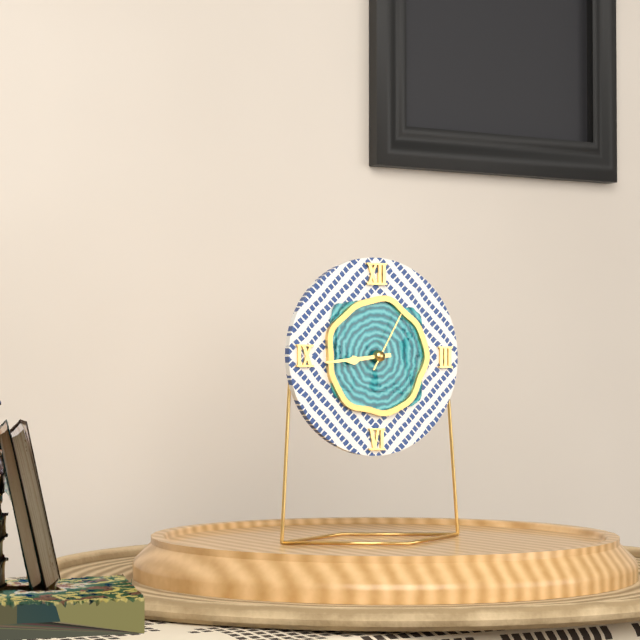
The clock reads h=8 m=44 s=5
